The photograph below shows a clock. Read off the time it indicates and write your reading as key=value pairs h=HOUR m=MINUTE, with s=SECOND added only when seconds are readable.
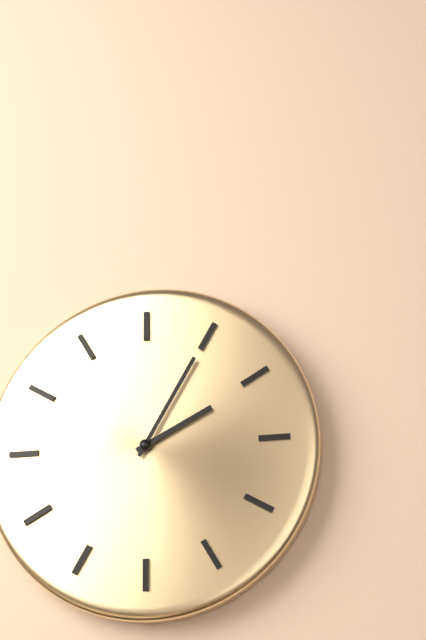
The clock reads h=2 m=5
